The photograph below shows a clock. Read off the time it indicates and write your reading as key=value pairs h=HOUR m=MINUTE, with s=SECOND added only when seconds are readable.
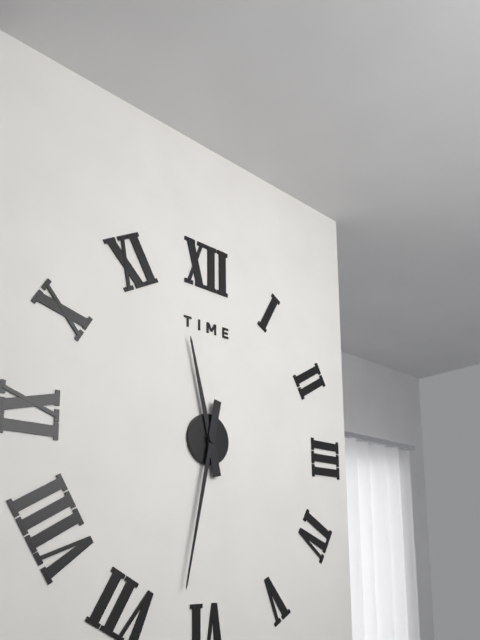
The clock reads h=11 m=32
